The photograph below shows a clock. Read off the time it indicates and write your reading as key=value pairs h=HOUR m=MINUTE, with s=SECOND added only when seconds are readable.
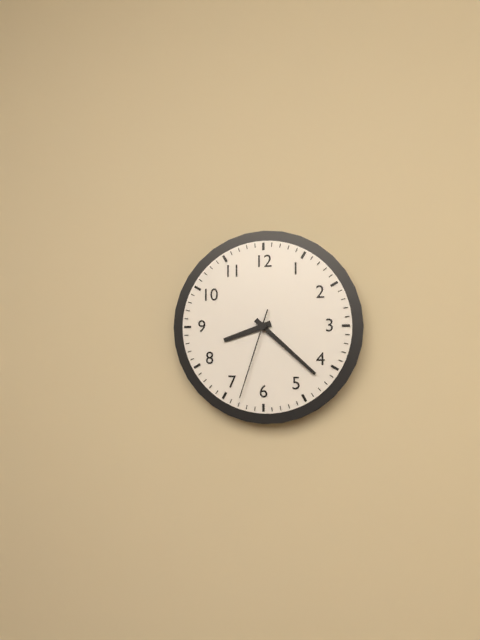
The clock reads h=8 m=22 s=33
